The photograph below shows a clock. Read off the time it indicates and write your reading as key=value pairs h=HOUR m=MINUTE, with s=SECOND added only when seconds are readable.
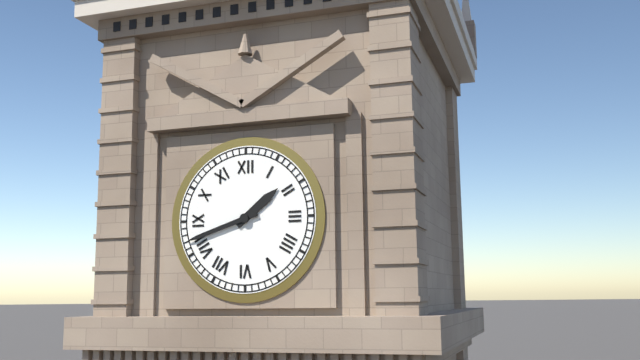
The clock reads h=1 m=42
